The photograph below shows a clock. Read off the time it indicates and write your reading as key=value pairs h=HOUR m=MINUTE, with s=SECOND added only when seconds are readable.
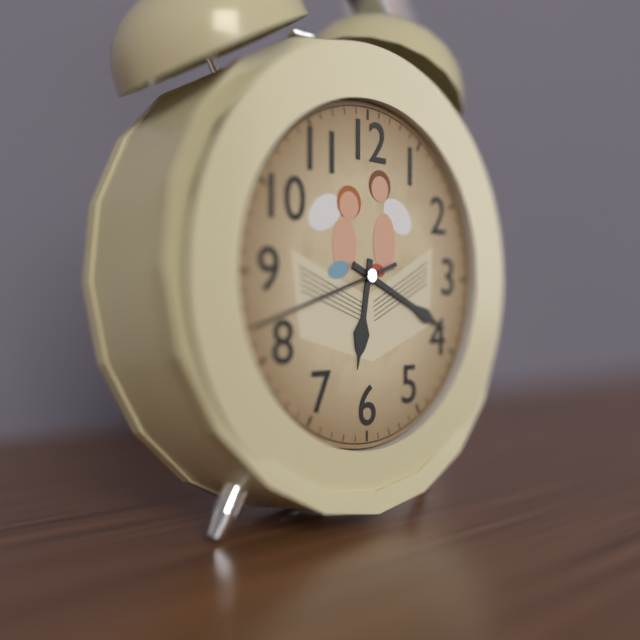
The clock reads h=6 m=19 s=42
